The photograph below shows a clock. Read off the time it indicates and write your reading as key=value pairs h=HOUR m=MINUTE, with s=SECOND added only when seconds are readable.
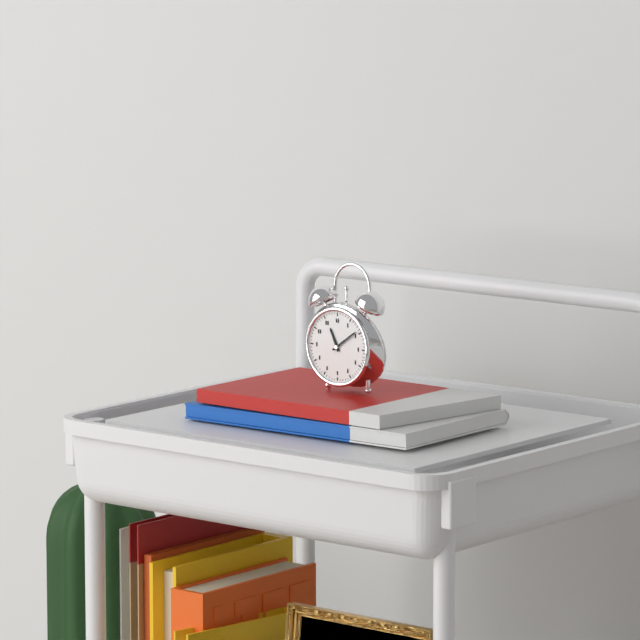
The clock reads h=11 m=9
